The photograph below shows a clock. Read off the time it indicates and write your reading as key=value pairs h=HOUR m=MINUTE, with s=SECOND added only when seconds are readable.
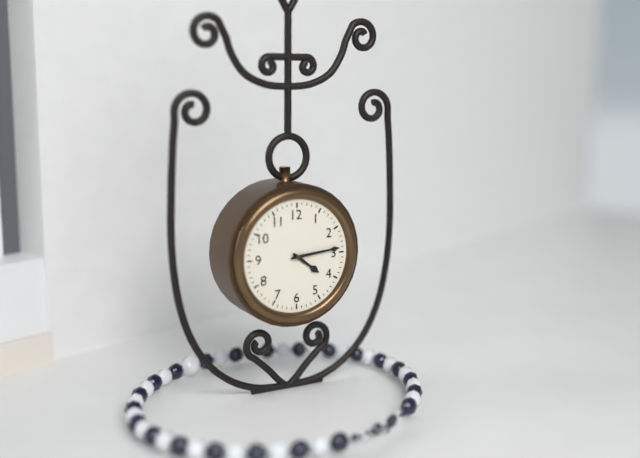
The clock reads h=4 m=14
